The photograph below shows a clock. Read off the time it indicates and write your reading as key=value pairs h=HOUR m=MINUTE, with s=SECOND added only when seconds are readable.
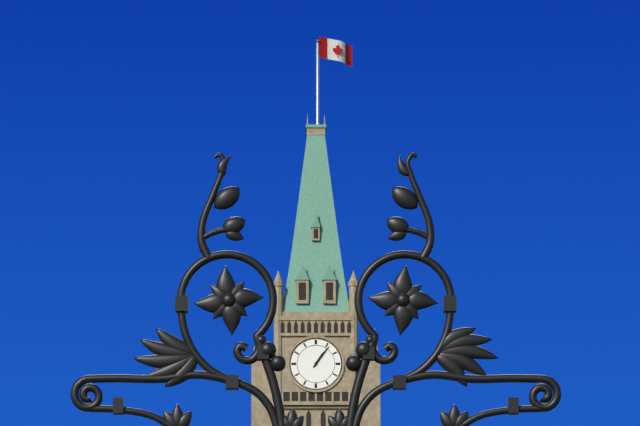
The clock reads h=1 m=6
